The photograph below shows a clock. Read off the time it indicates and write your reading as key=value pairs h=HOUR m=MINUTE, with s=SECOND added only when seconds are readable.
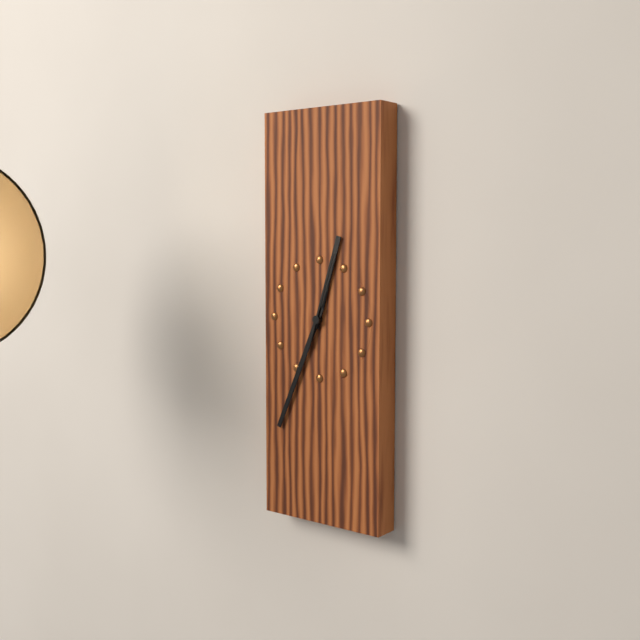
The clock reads h=12 m=34 s=3
